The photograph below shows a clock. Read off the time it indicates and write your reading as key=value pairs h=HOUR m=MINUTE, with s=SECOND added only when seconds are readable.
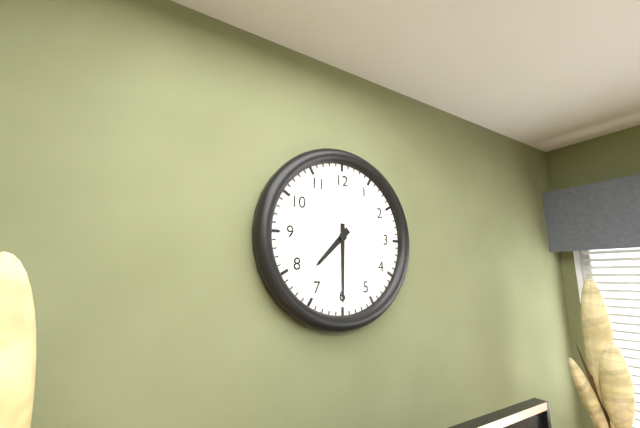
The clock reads h=7 m=30
